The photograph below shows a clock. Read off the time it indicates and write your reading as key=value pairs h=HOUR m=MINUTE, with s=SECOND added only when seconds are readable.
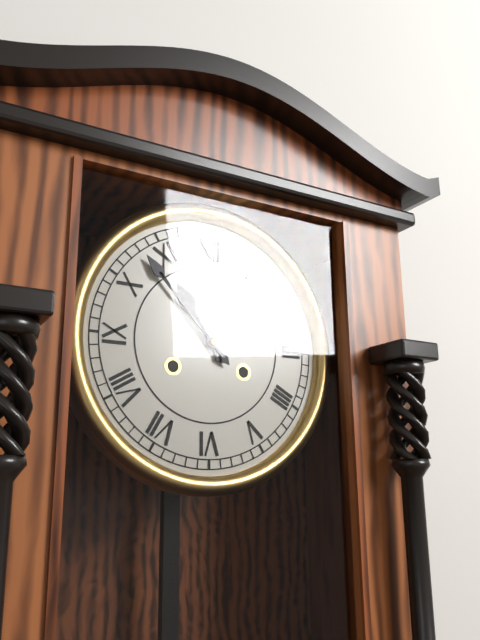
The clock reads h=10 m=53
